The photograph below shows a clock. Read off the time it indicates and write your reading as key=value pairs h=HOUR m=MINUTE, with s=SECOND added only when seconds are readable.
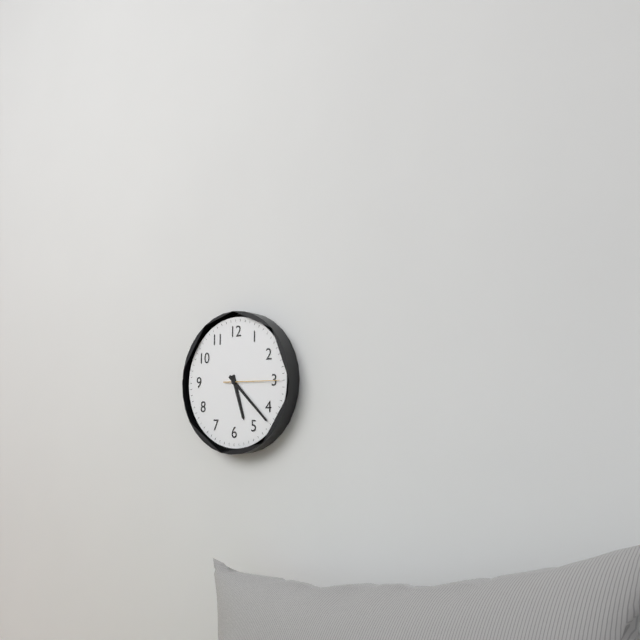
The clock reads h=5 m=22 s=15
